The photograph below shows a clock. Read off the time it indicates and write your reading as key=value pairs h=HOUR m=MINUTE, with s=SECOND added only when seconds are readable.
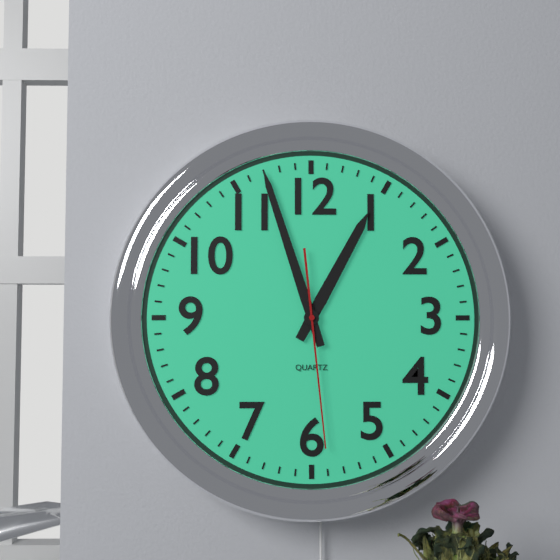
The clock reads h=12 m=57 s=29
